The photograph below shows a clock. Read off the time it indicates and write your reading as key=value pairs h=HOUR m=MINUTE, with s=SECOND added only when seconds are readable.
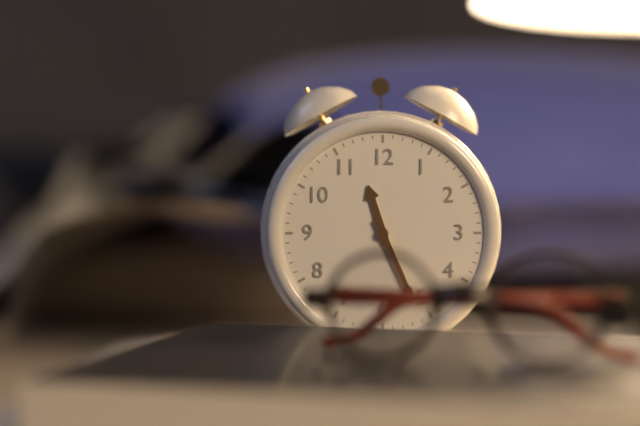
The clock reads h=11 m=26
